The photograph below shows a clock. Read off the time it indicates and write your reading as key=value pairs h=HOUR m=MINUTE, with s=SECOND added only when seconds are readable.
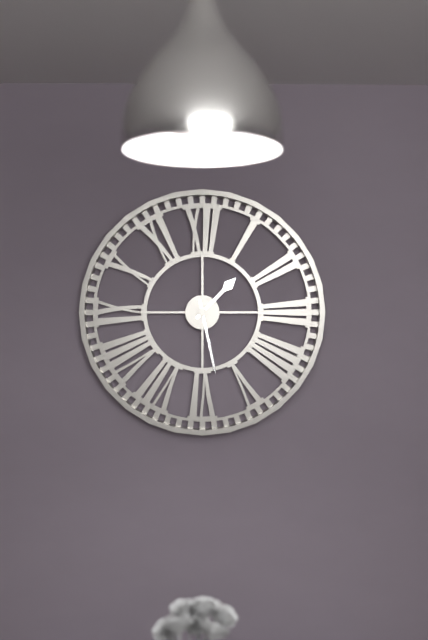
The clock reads h=1 m=28
